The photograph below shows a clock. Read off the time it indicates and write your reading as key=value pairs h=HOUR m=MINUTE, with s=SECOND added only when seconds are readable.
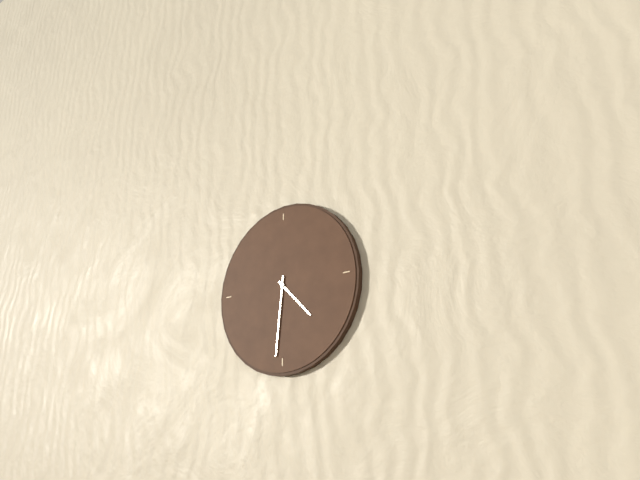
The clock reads h=4 m=31
